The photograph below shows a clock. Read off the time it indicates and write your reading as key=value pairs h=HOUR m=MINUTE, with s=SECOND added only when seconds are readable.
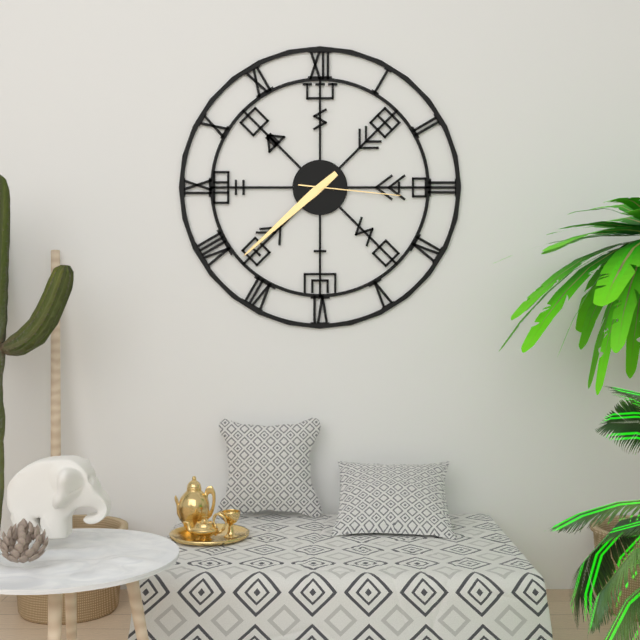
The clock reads h=7 m=38 s=16
